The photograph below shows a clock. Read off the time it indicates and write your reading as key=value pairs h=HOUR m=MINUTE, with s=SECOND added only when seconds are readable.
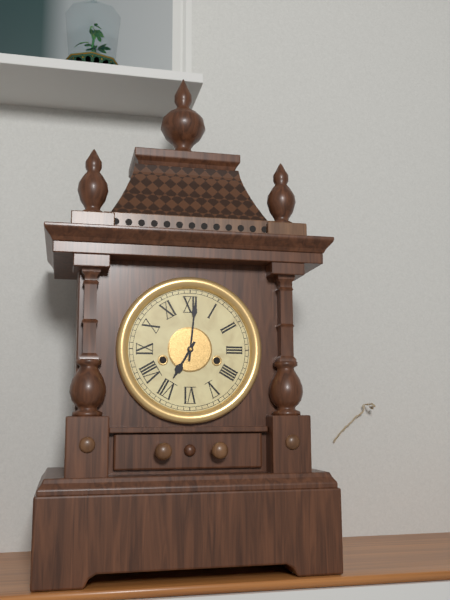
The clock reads h=7 m=1
